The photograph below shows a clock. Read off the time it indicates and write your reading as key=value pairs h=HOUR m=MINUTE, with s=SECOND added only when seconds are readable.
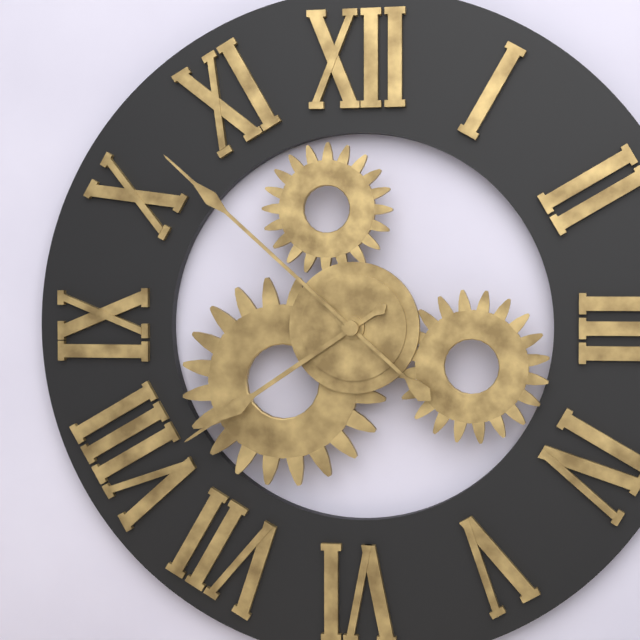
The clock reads h=7 m=52
